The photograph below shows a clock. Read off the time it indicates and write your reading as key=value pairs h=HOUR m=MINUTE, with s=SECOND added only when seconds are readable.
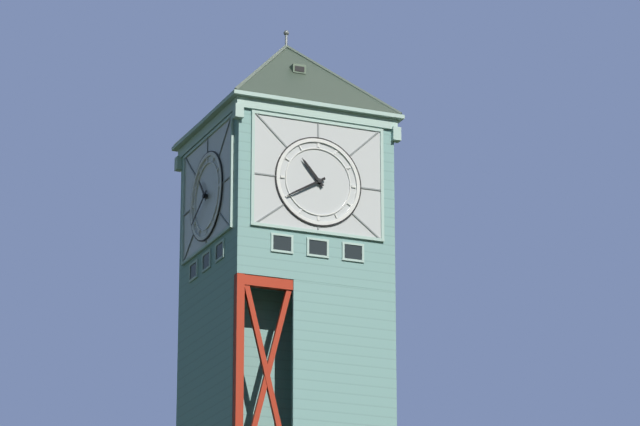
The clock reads h=10 m=40
